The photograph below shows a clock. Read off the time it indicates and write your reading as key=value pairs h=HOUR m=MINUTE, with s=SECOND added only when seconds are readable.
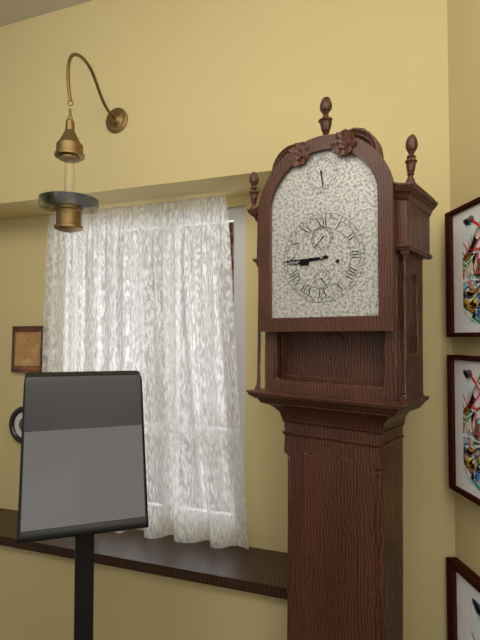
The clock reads h=8 m=45
